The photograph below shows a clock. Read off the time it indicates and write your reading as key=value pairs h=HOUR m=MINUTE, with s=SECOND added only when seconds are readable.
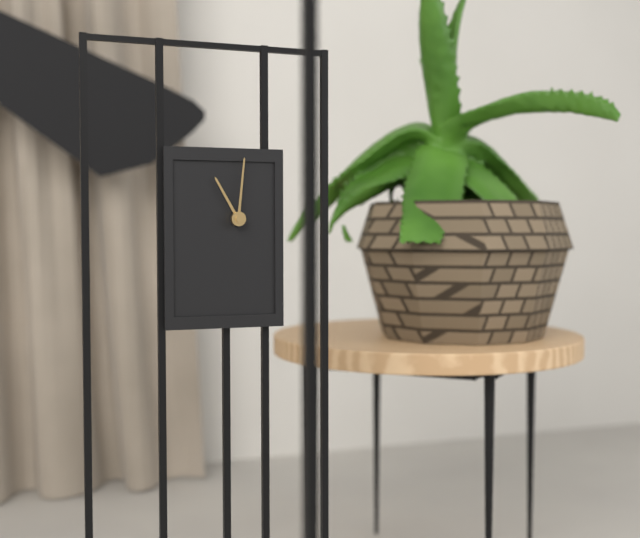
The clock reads h=11 m=1
